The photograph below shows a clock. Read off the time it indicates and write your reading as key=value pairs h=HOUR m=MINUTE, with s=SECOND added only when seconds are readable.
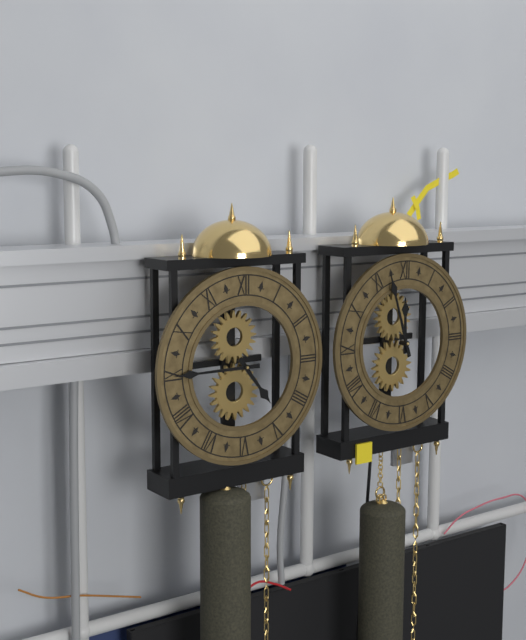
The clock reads h=4 m=45
